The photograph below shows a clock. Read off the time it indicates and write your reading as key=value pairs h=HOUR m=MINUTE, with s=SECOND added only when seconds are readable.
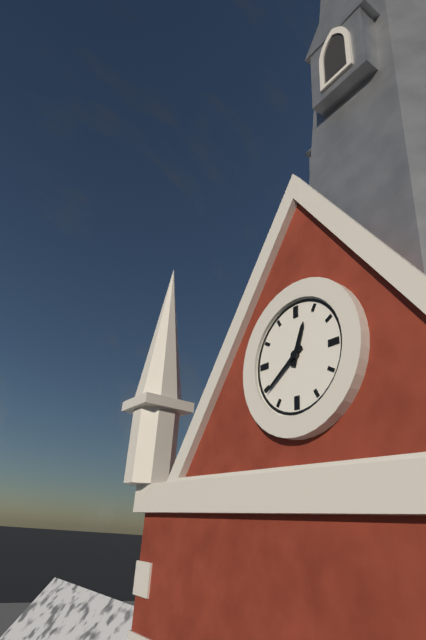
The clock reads h=12 m=39
